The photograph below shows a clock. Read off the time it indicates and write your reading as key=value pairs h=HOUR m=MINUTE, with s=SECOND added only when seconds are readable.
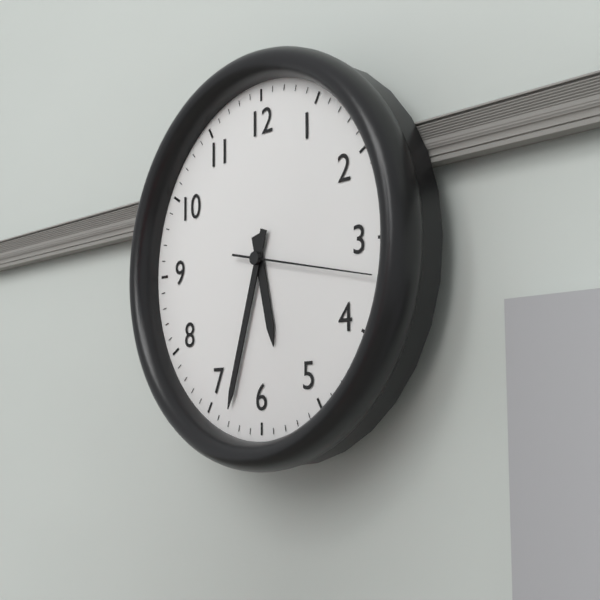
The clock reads h=5 m=33 s=17
